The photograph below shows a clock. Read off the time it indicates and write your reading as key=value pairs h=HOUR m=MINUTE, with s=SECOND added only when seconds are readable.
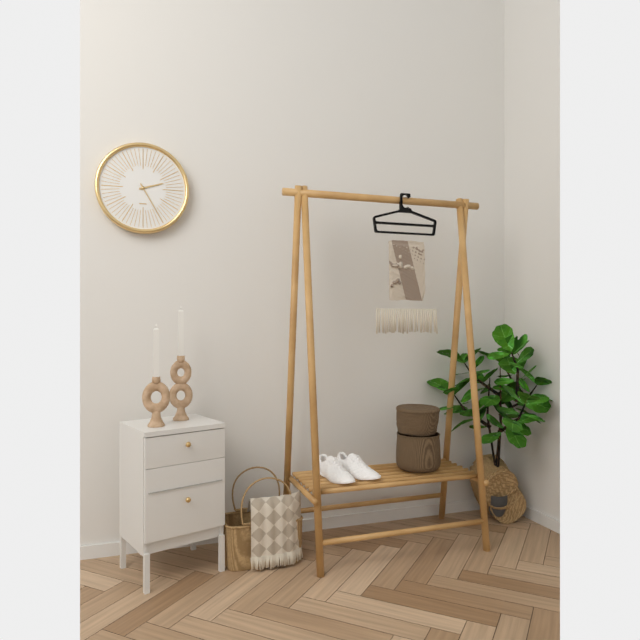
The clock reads h=2 m=25
